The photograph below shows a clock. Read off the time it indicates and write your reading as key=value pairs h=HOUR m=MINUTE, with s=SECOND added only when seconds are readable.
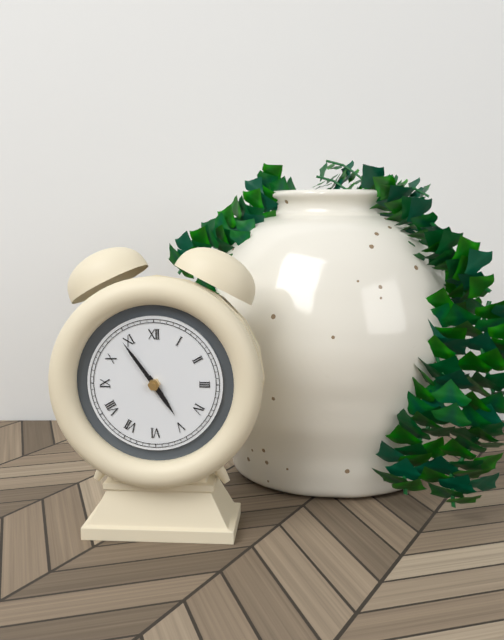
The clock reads h=4 m=54
